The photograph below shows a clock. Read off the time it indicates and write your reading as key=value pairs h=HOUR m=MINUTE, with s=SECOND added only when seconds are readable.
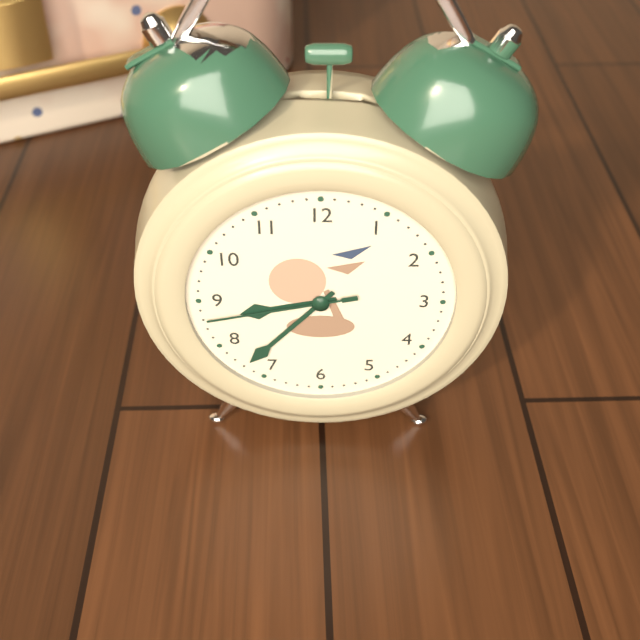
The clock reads h=8 m=37 s=43
